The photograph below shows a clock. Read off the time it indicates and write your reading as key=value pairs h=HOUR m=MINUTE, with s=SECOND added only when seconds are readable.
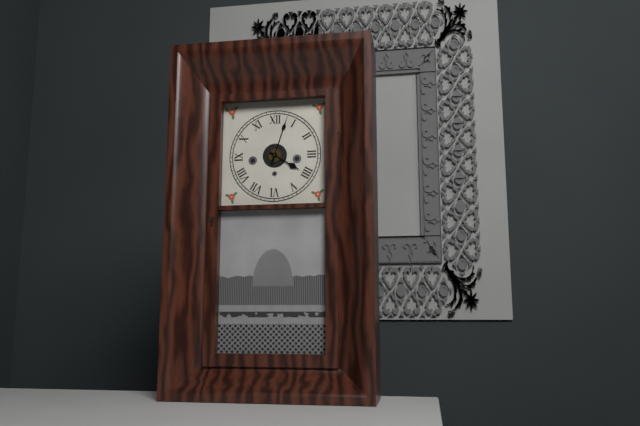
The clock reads h=4 m=3
